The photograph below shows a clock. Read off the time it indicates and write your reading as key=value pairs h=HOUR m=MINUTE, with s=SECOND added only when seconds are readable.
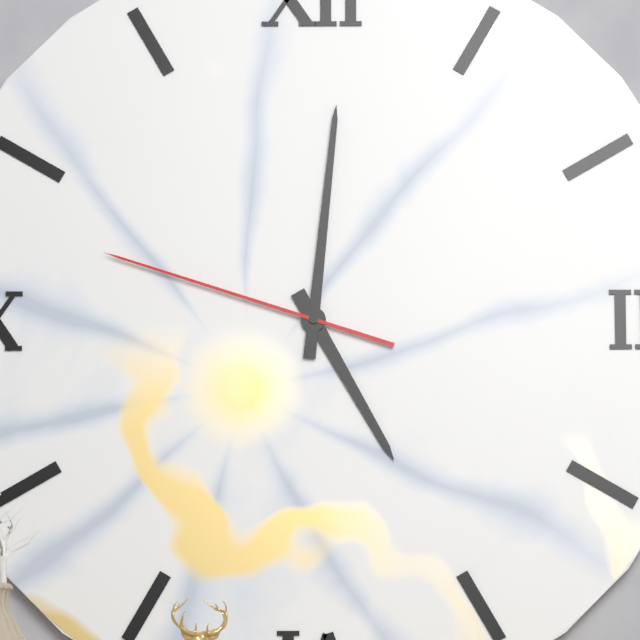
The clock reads h=5 m=1 s=48
